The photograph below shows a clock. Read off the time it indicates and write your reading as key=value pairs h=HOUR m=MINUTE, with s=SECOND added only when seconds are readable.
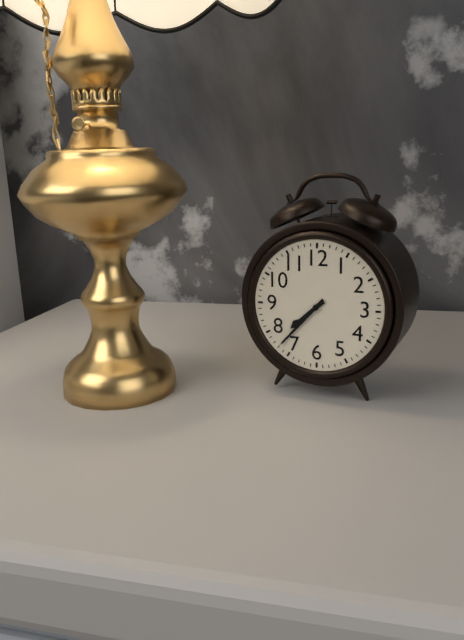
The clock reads h=7 m=37
